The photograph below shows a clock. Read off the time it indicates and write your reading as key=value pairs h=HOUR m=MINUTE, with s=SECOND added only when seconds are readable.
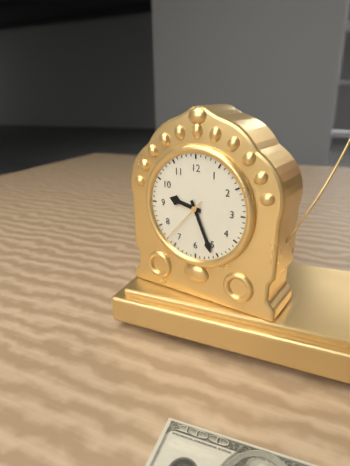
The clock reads h=9 m=26
